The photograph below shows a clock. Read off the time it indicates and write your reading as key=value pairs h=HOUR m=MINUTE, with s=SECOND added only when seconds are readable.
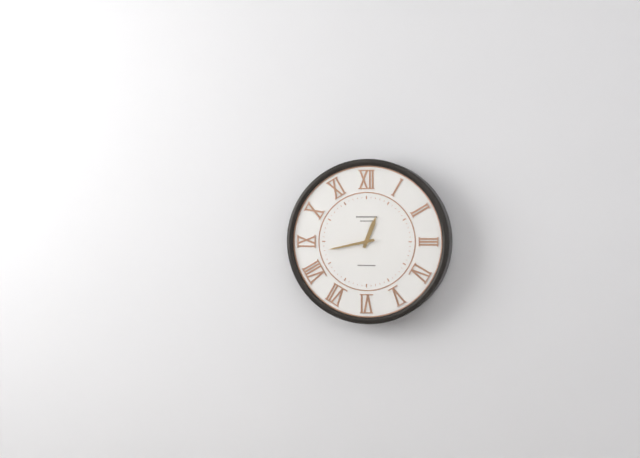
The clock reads h=12 m=43
